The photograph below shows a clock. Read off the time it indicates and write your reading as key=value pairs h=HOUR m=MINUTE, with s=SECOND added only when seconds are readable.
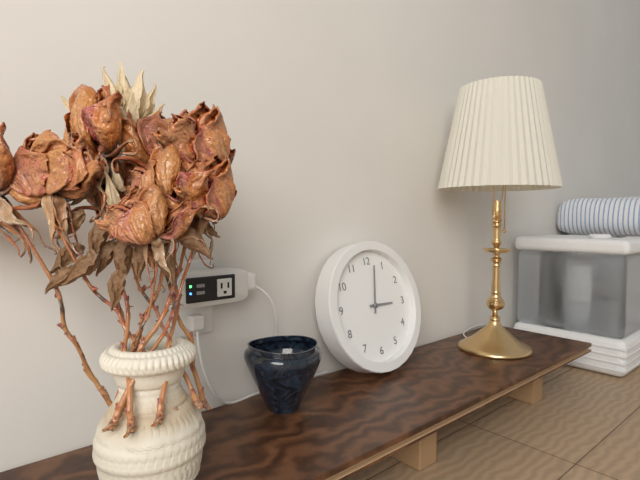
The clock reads h=3 m=2
